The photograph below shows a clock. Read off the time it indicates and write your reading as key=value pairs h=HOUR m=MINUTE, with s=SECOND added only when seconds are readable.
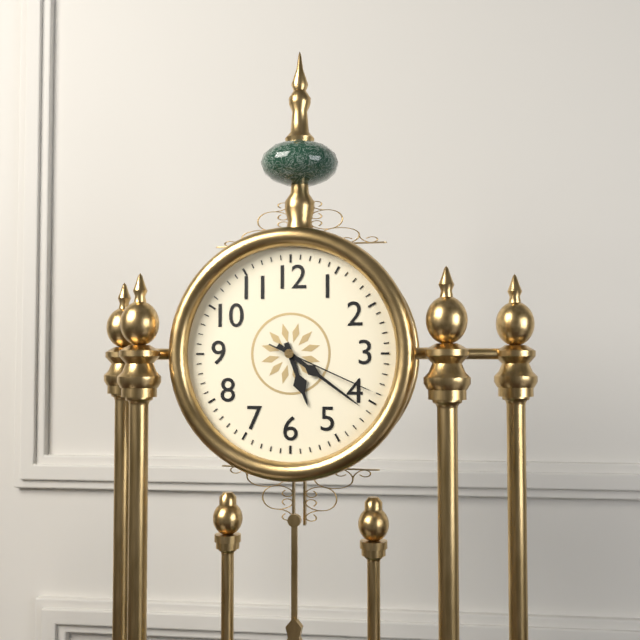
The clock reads h=5 m=21 s=19
